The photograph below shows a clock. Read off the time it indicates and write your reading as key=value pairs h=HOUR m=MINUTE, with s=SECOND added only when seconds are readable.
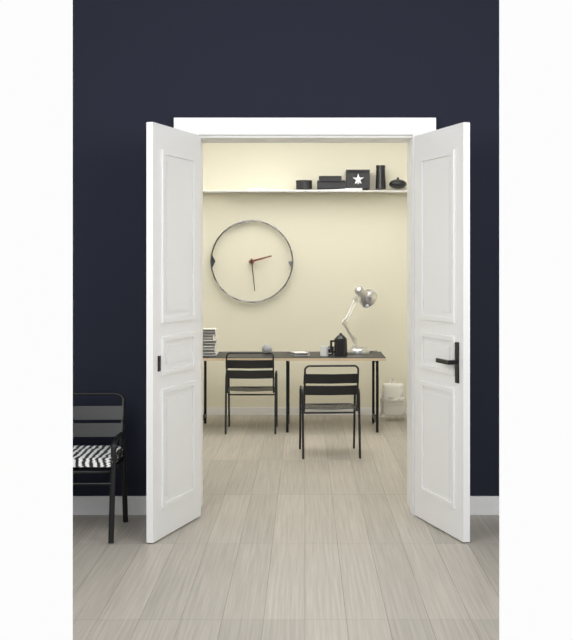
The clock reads h=2 m=29
